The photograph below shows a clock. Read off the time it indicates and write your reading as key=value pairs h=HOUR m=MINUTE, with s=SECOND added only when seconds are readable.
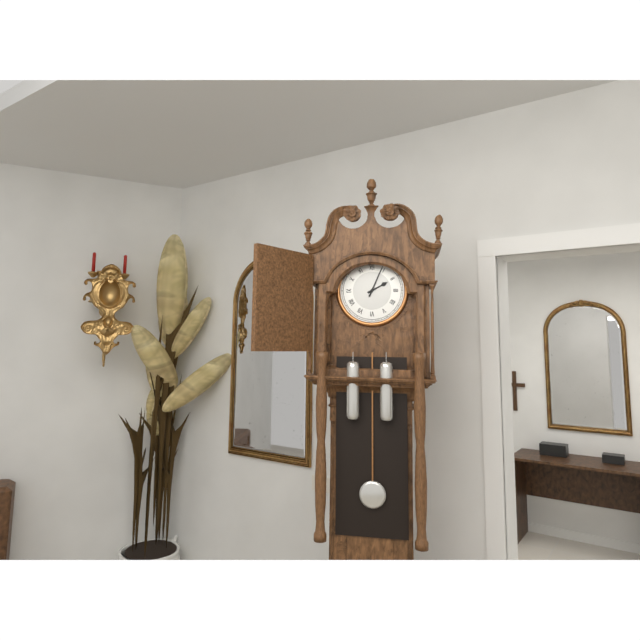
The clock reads h=2 m=4
